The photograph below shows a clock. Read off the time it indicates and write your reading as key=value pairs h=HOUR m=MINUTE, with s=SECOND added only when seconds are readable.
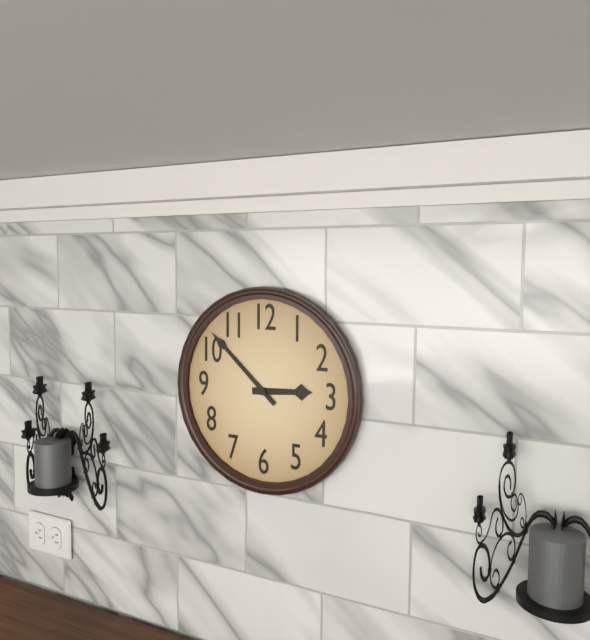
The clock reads h=2 m=52
